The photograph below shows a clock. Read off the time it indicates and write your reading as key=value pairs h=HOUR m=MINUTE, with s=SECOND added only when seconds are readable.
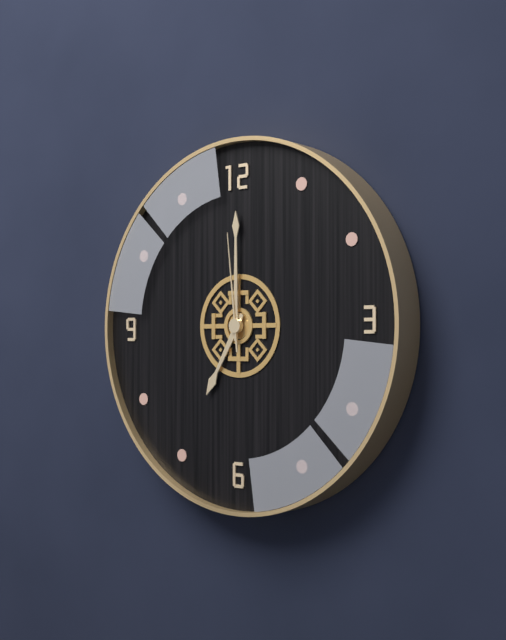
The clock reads h=7 m=0 s=59
